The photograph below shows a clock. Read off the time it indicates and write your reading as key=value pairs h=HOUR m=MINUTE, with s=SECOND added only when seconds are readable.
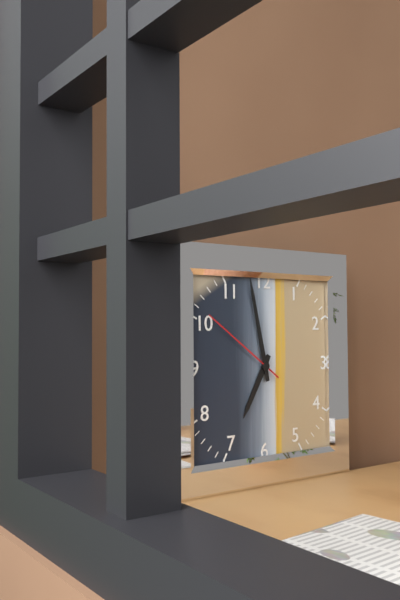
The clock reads h=6 m=58 s=51
